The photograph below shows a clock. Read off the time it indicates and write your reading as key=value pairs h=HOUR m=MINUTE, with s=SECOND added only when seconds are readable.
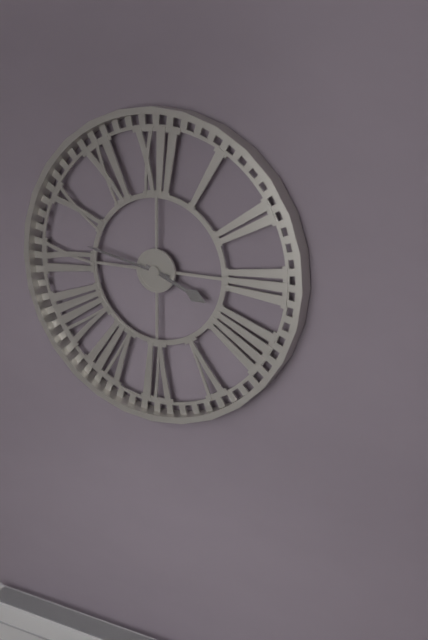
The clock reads h=3 m=47
